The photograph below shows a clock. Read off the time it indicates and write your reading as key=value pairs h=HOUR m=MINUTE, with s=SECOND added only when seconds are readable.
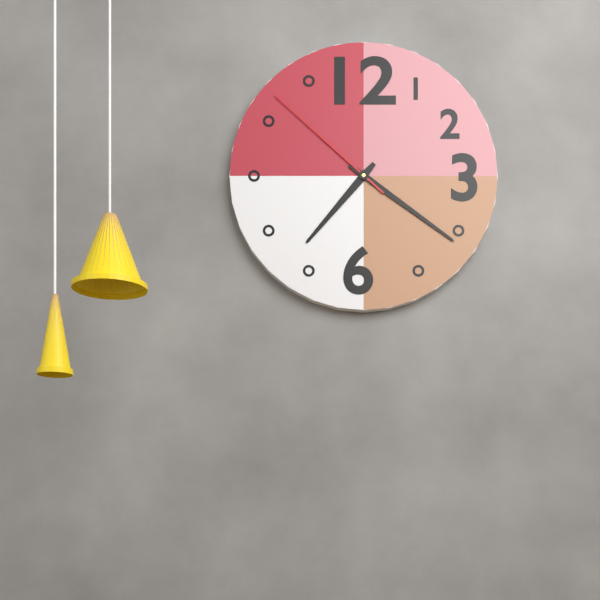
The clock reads h=7 m=21 s=52
